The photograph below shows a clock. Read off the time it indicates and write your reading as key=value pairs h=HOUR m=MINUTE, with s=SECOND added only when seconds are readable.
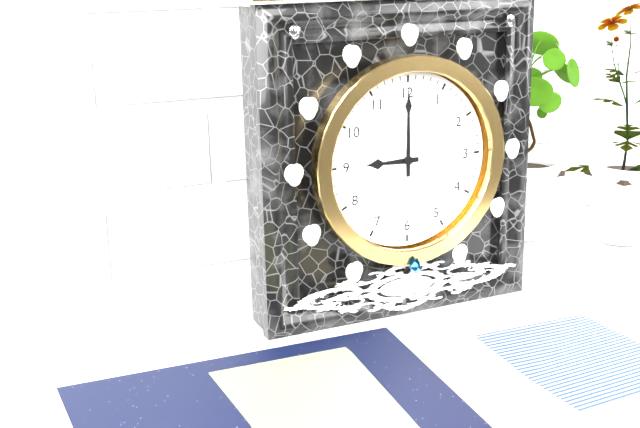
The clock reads h=9 m=0
